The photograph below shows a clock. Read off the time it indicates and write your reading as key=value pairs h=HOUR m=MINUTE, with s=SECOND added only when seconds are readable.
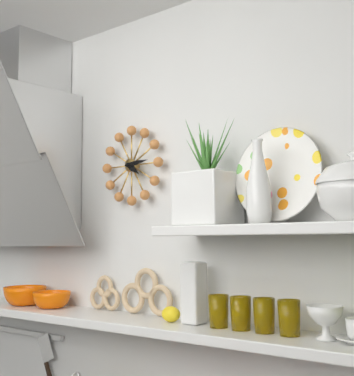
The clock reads h=4 m=14
